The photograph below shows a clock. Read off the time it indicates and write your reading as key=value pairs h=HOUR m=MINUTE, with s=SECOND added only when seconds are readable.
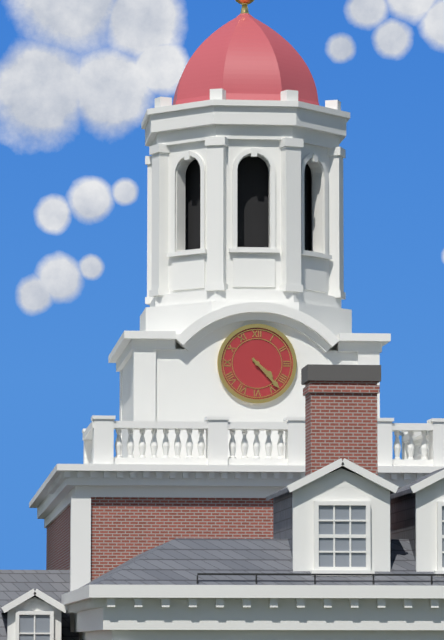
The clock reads h=4 m=23
